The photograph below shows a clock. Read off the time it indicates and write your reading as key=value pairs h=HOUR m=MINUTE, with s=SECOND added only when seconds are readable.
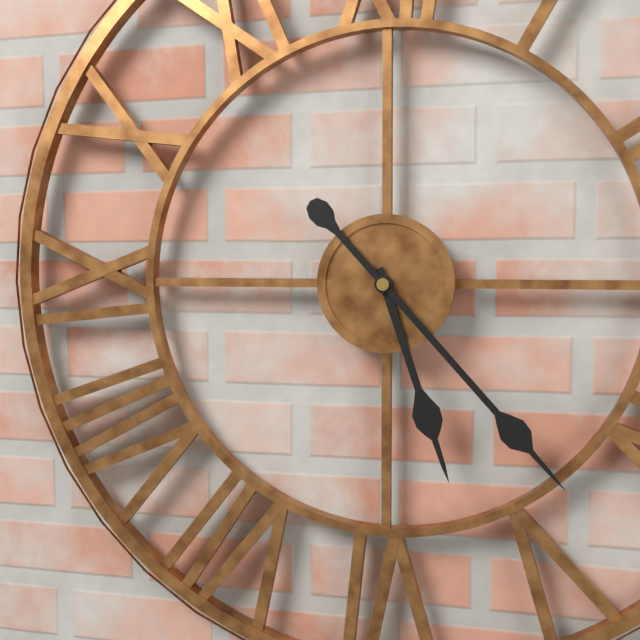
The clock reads h=5 m=23
